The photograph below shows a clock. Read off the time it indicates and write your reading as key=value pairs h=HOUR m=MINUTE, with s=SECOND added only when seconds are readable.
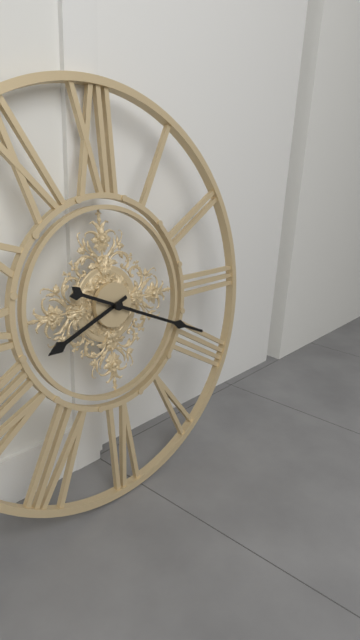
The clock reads h=8 m=19
